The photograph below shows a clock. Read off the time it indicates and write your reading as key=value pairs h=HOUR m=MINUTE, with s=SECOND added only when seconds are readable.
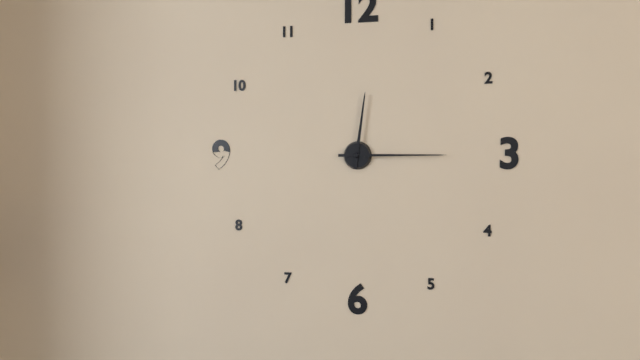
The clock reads h=12 m=15
